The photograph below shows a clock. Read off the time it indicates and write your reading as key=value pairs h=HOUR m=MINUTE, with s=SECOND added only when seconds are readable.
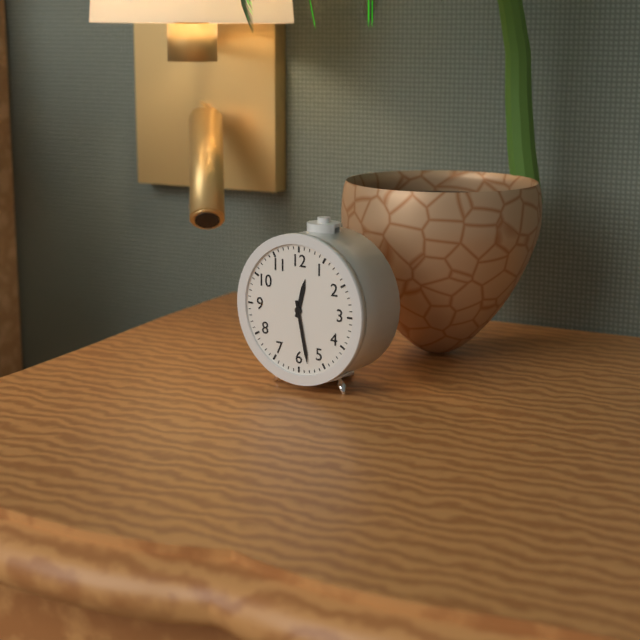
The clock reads h=12 m=28
